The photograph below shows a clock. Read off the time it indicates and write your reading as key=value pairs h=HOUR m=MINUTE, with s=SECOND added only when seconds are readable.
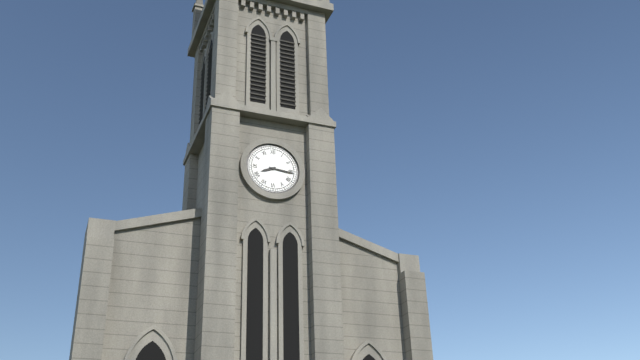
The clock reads h=8 m=16
